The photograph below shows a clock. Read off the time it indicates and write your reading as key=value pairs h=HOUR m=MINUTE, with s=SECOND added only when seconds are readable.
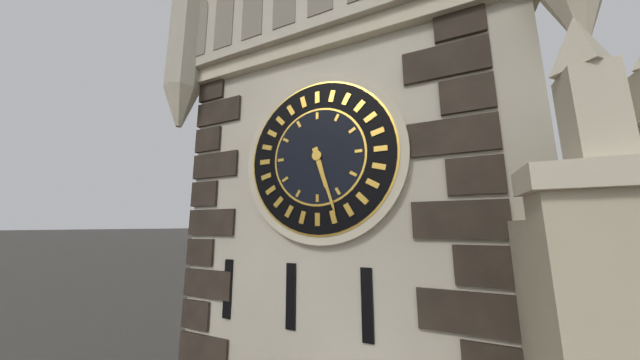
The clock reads h=5 m=27
